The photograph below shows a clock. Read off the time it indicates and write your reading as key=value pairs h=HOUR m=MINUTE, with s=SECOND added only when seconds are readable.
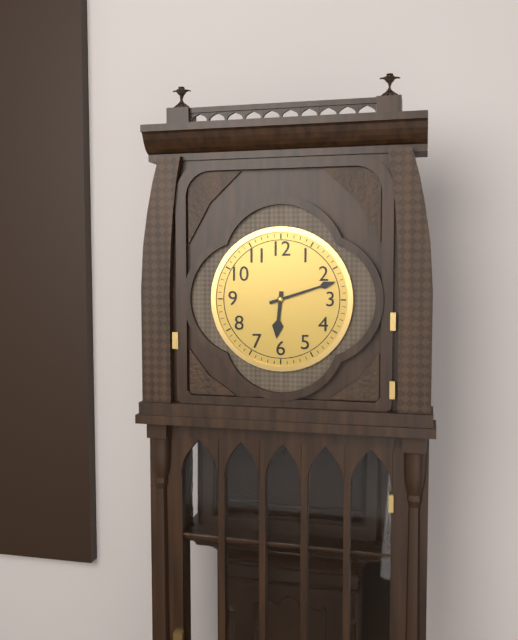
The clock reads h=6 m=12
